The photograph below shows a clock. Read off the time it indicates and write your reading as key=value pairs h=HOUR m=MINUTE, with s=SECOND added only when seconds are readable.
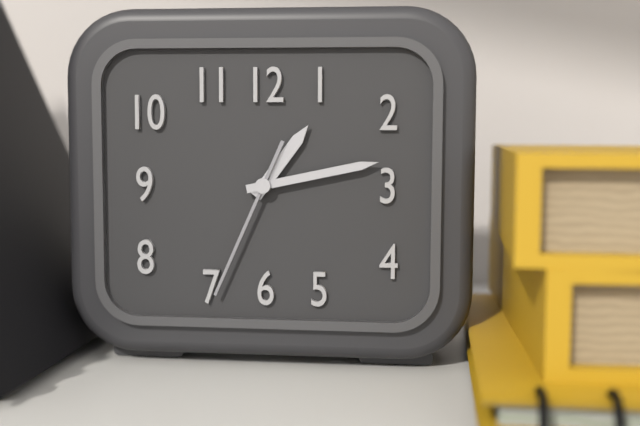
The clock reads h=1 m=13 s=34
